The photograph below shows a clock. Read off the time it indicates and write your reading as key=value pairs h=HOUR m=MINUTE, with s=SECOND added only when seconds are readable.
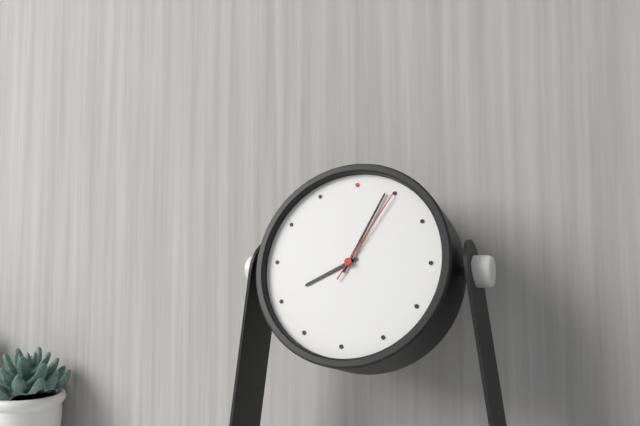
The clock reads h=8 m=4 s=5
